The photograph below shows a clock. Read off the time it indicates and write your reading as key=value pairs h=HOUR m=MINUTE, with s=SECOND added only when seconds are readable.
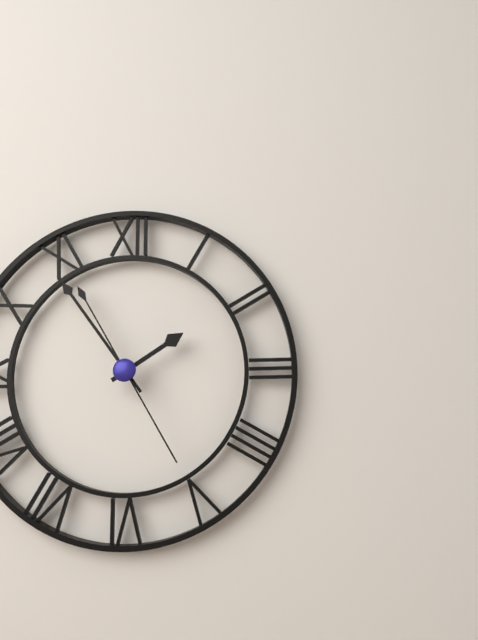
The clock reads h=1 m=54 s=25
